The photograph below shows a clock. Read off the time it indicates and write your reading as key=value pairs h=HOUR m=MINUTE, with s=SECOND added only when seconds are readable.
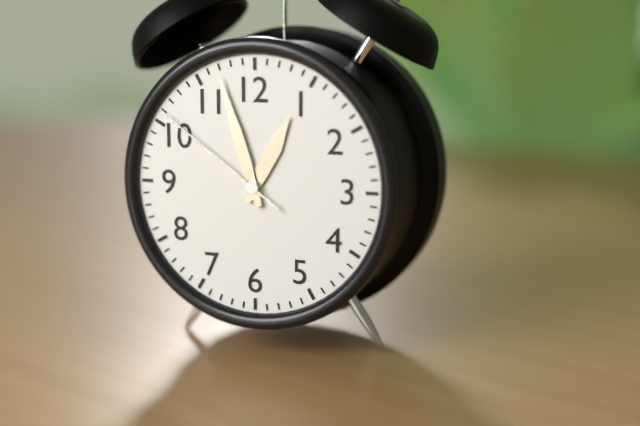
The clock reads h=12 m=57 s=51
